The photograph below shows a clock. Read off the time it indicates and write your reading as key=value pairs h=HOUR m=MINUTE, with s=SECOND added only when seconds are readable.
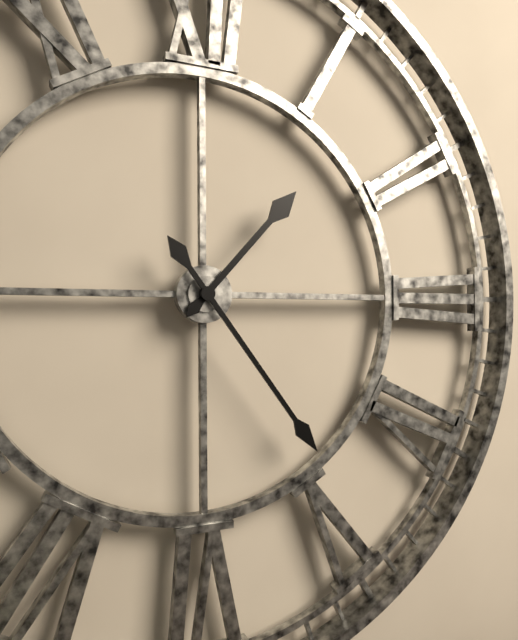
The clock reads h=1 m=24
